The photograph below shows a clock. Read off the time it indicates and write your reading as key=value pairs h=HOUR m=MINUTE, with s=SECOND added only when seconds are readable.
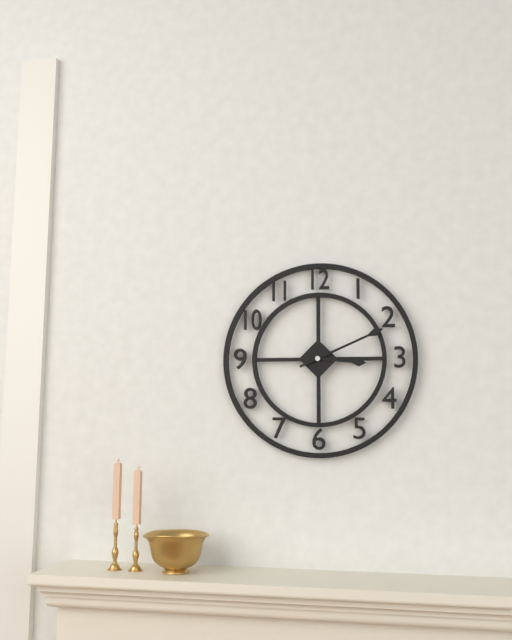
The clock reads h=3 m=11
